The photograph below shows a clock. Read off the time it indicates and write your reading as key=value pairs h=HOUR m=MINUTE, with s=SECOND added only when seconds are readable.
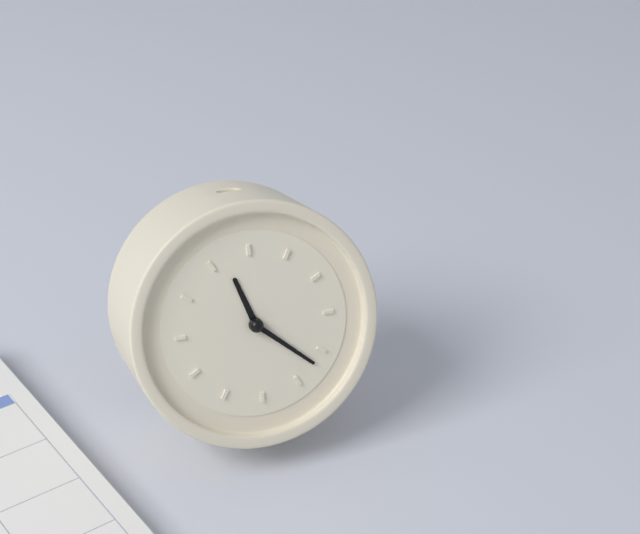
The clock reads h=11 m=22
